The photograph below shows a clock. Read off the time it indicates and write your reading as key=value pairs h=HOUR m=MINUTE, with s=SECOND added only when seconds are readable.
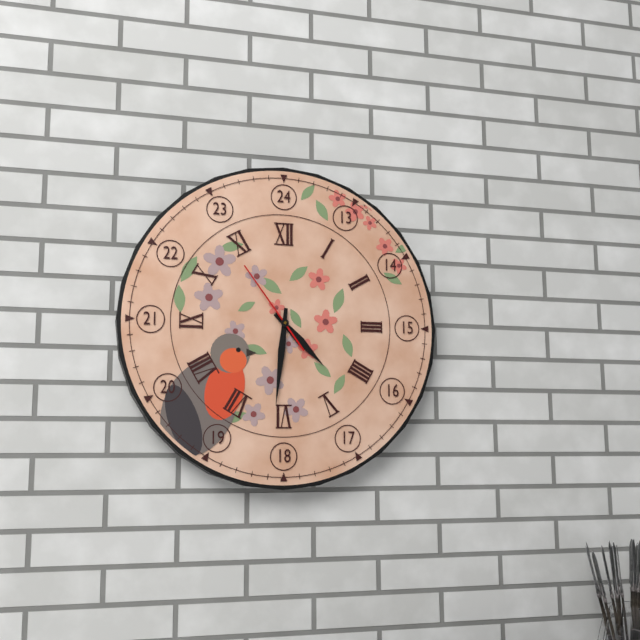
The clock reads h=4 m=31 s=54
